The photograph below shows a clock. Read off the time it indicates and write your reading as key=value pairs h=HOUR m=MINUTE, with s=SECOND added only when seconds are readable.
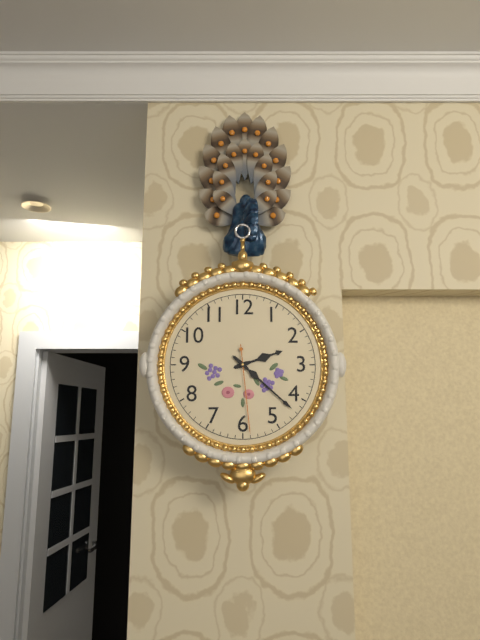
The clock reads h=2 m=22 s=29
